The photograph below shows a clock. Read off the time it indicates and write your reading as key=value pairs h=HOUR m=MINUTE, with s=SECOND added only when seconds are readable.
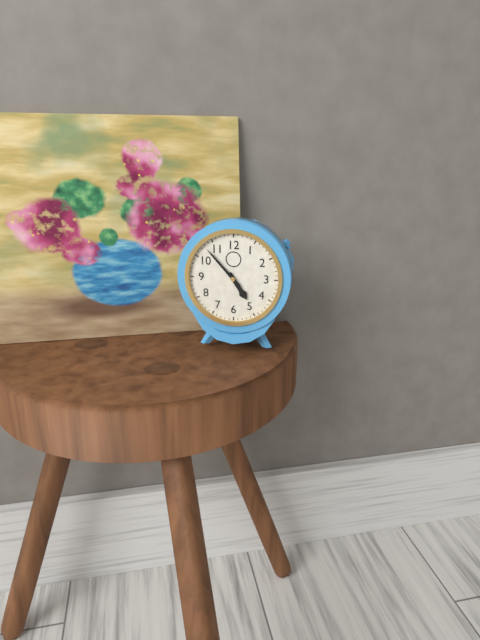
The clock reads h=4 m=53
